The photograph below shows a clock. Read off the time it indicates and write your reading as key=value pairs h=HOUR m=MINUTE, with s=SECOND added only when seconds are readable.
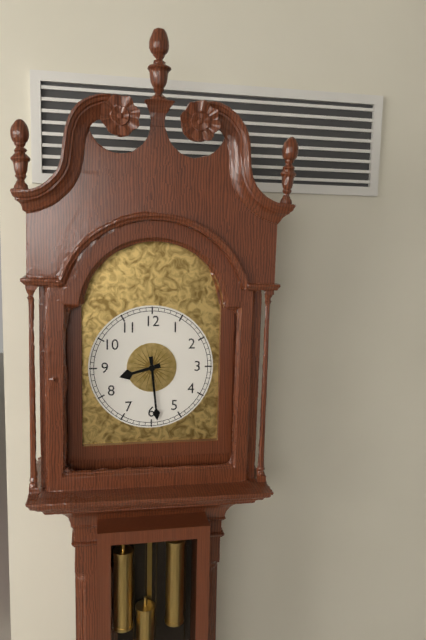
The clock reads h=8 m=29
